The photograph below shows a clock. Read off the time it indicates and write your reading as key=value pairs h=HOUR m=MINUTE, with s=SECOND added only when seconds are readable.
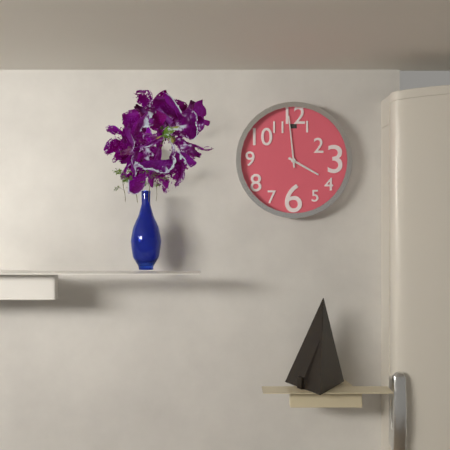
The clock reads h=3 m=59
